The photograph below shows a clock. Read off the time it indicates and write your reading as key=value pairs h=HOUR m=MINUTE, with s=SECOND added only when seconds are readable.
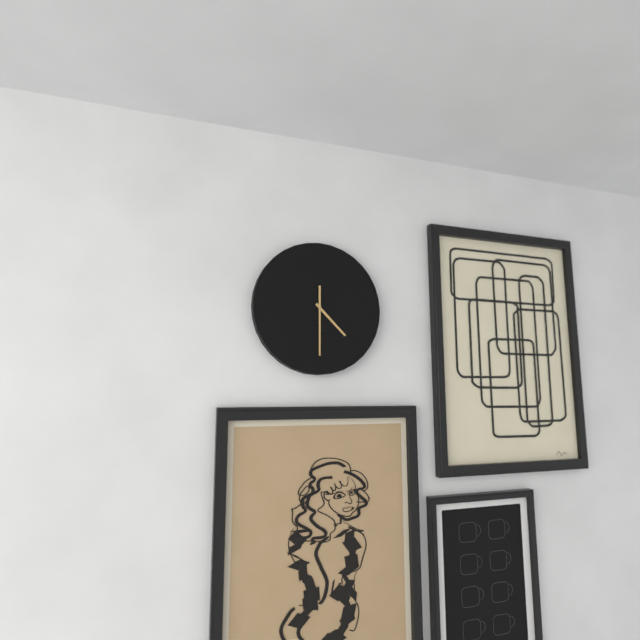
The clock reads h=4 m=30
